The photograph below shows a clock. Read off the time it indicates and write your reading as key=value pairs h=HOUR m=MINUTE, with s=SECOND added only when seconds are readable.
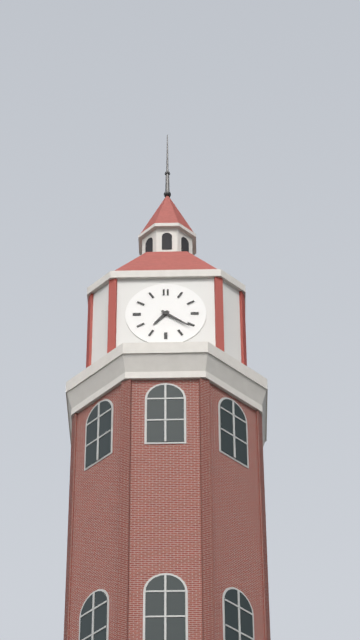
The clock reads h=7 m=21
